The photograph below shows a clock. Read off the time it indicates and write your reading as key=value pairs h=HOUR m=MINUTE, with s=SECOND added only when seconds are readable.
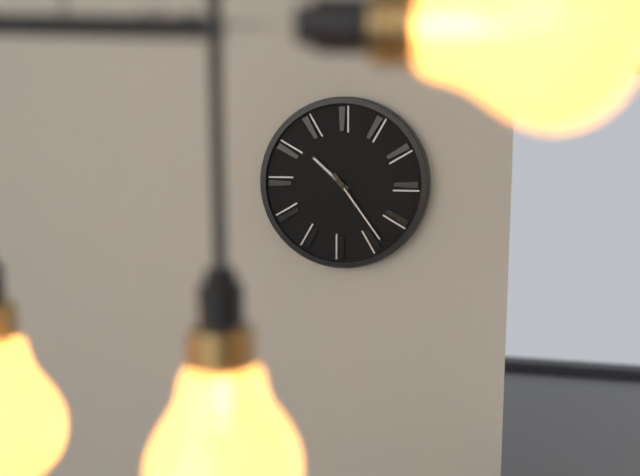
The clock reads h=10 m=24
